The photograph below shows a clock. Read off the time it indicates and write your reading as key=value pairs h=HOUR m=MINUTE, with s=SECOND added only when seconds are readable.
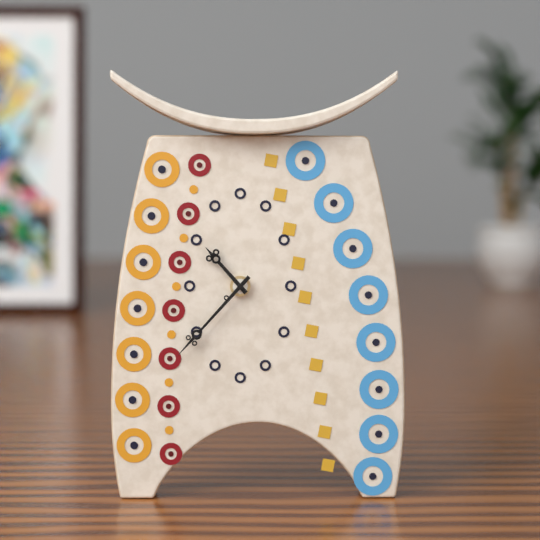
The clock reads h=10 m=37
